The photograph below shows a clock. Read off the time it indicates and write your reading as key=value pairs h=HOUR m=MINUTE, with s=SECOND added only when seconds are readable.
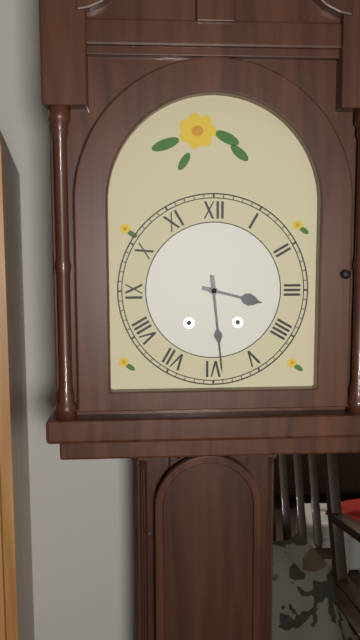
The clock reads h=3 m=29
